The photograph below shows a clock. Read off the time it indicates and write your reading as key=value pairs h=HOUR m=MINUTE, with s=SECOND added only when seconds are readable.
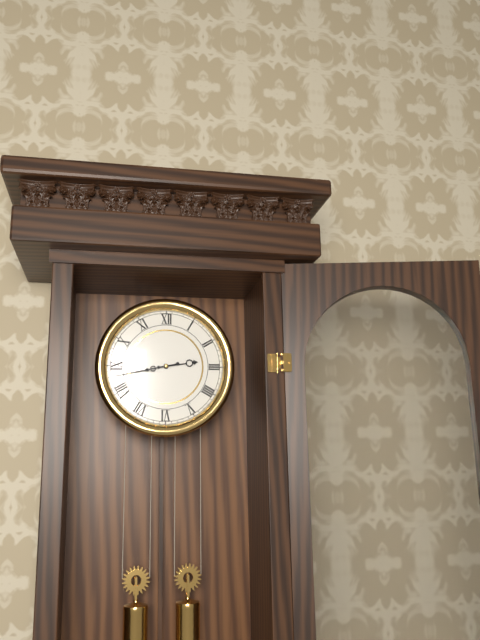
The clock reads h=2 m=43
